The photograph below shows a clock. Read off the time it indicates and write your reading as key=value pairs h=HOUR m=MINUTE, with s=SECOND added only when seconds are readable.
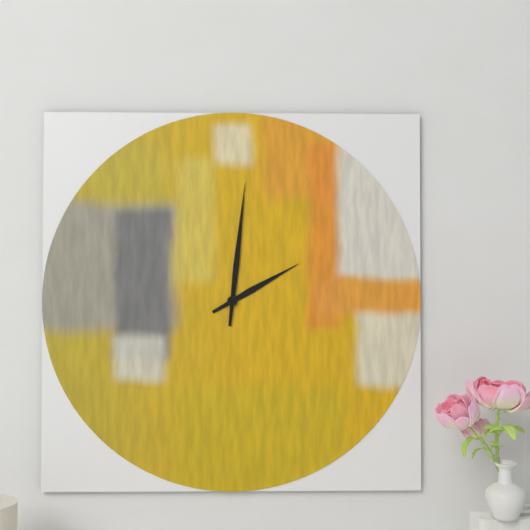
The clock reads h=2 m=1
